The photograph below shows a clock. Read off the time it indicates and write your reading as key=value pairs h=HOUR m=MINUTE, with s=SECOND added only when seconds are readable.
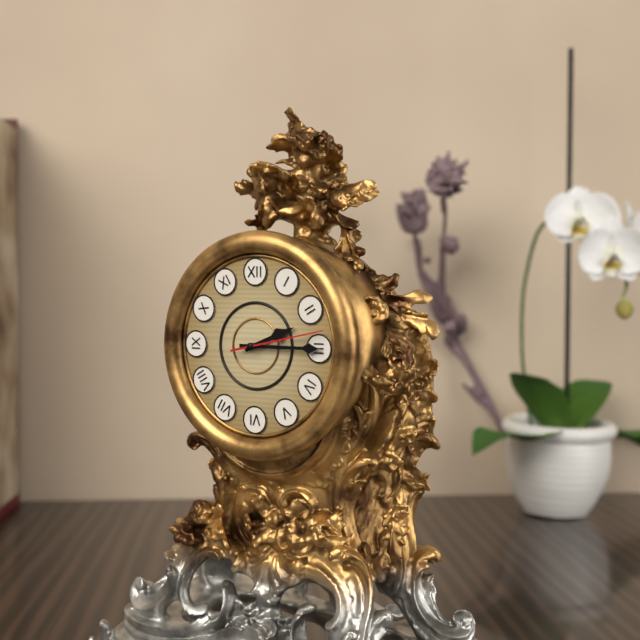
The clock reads h=2 m=15 s=13
